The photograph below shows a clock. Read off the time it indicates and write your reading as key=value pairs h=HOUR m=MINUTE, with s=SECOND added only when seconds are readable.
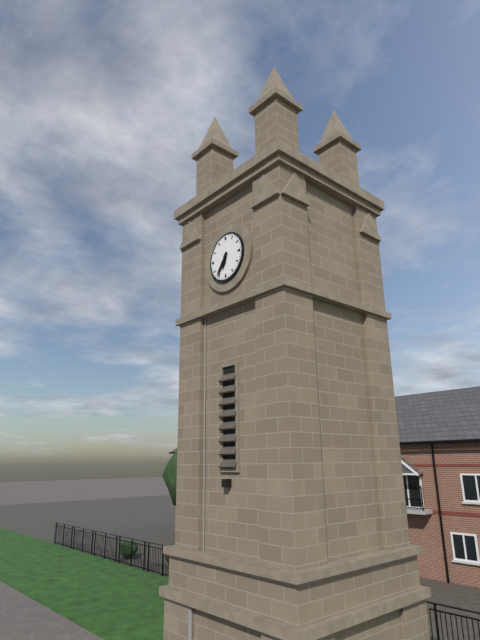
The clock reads h=6 m=36
